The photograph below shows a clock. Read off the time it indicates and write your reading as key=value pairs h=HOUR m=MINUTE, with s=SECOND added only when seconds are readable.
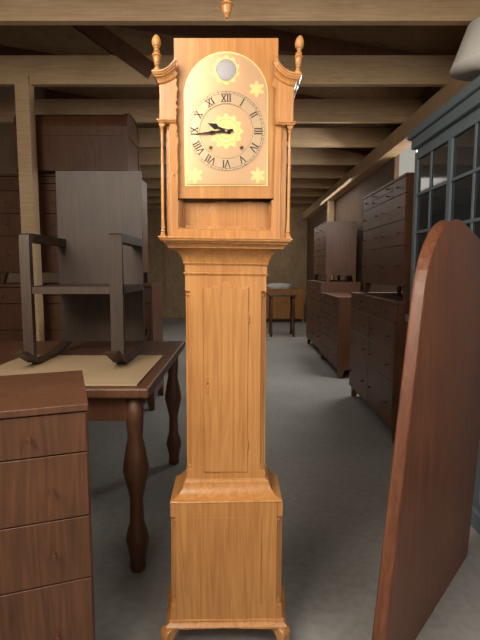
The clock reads h=9 m=44
